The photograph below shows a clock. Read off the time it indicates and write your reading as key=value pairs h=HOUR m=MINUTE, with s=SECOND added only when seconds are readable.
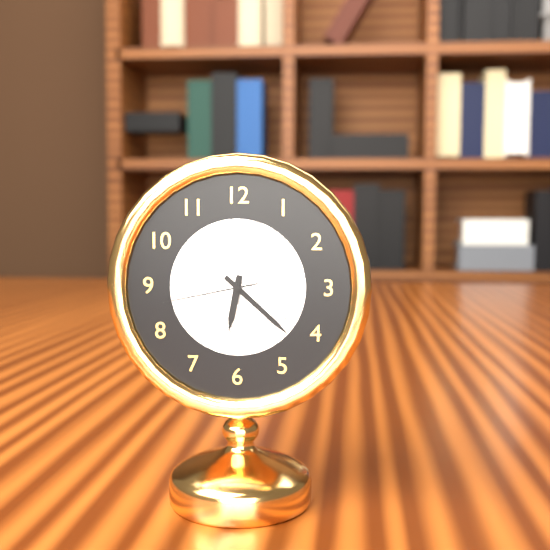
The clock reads h=6 m=22 s=43
